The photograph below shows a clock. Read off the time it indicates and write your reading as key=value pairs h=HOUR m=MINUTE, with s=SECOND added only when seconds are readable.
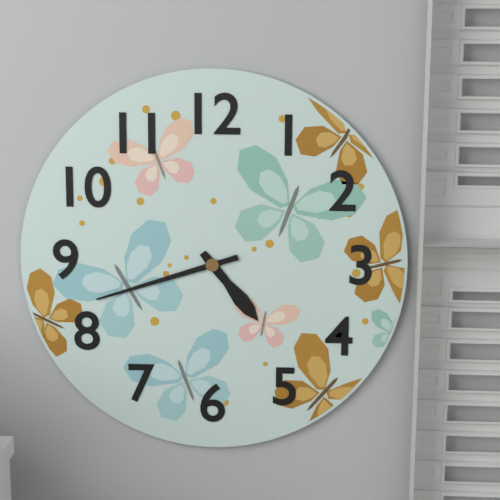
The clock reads h=4 m=42
